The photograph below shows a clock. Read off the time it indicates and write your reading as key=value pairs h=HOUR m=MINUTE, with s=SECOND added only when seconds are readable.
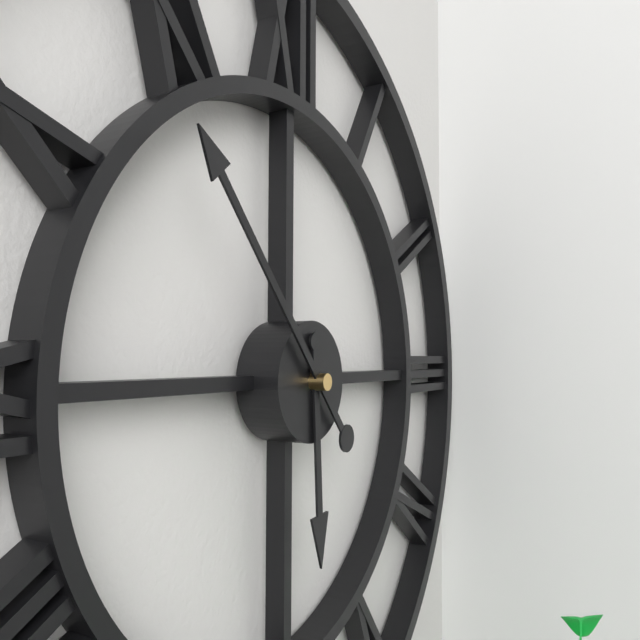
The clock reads h=5 m=53
